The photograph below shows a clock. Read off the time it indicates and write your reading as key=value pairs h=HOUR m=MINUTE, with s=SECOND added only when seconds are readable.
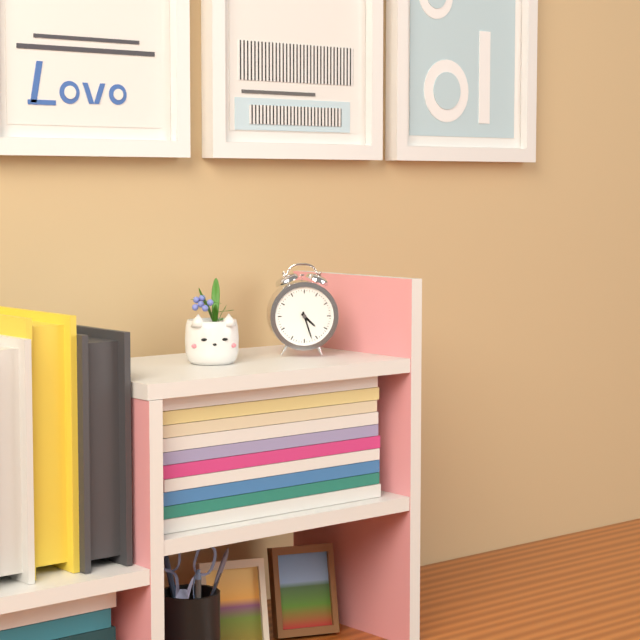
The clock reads h=4 m=27
